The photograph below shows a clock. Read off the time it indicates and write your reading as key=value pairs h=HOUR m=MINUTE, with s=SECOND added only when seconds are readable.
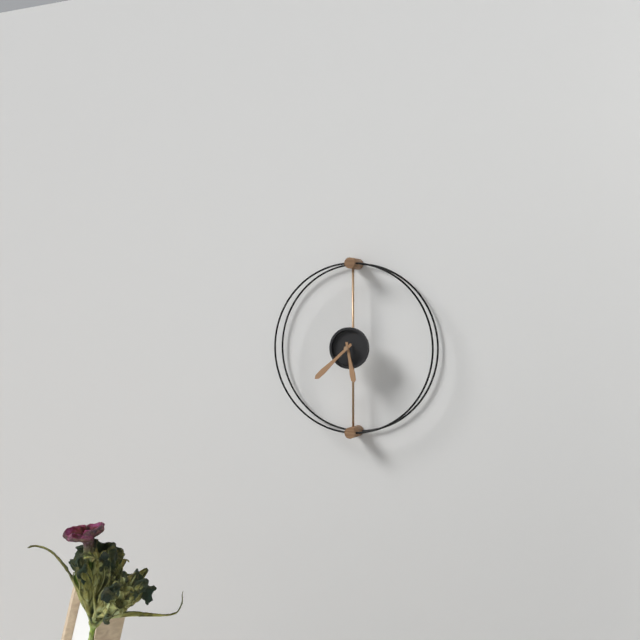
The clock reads h=5 m=38
